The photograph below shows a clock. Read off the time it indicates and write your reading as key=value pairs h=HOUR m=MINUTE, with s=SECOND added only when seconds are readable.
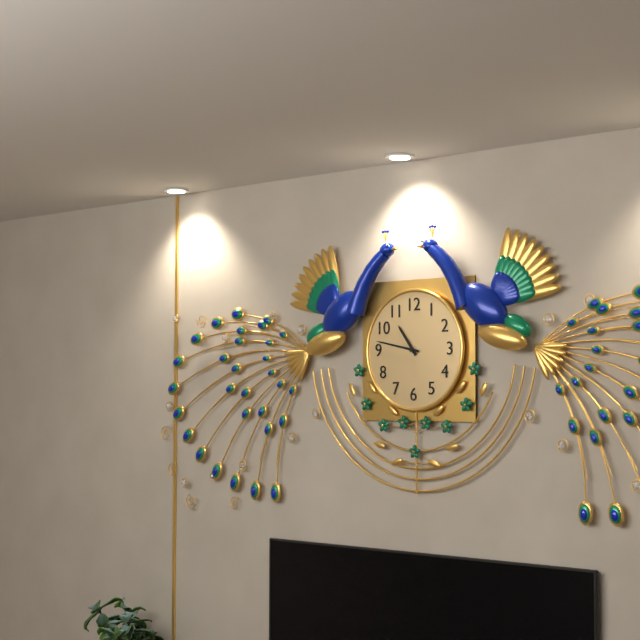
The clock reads h=10 m=47
